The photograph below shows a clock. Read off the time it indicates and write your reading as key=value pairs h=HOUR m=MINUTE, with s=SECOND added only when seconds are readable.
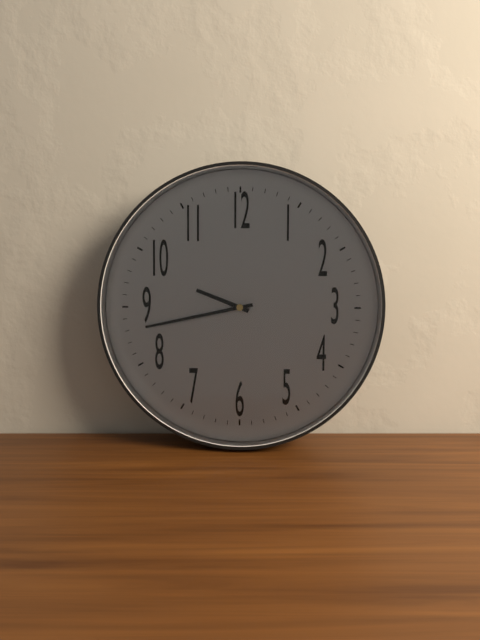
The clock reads h=9 m=43
